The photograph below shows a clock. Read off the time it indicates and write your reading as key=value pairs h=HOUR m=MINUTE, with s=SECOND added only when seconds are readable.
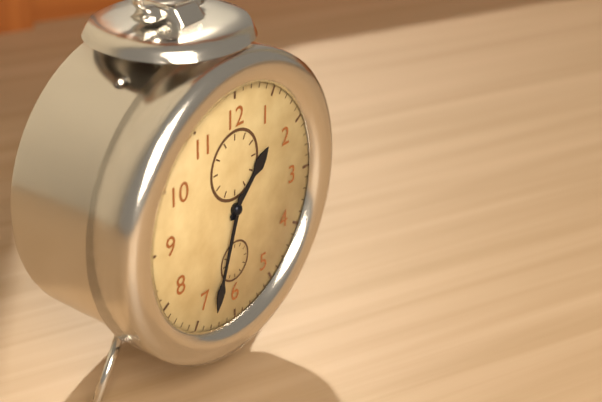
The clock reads h=1 m=33
